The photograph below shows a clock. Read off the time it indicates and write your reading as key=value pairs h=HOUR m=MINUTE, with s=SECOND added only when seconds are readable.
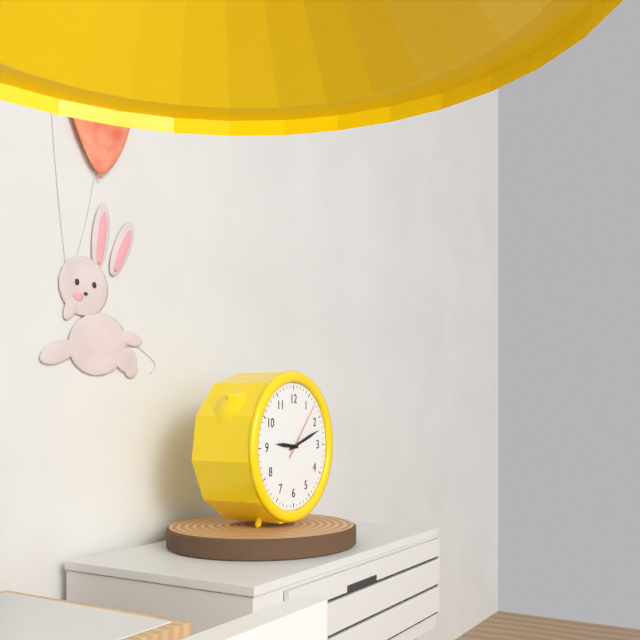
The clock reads h=9 m=12 s=7
